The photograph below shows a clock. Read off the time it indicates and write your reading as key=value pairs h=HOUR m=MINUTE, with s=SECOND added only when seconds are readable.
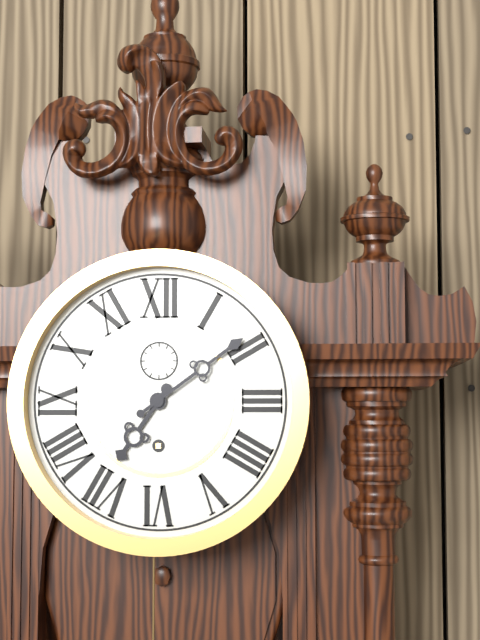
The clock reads h=7 m=9
